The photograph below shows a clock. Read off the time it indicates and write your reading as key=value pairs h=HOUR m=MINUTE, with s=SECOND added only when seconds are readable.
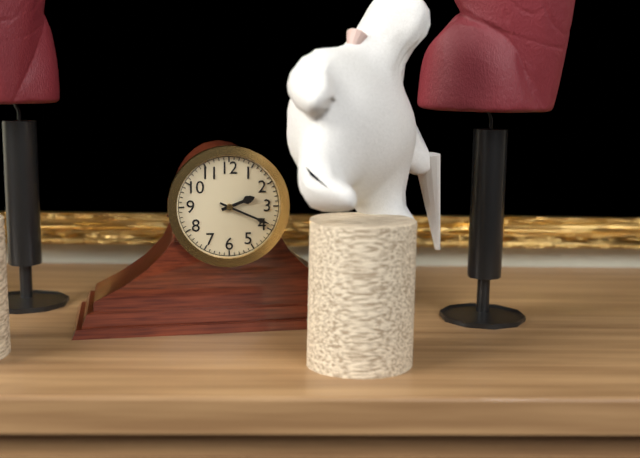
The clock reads h=2 m=19
